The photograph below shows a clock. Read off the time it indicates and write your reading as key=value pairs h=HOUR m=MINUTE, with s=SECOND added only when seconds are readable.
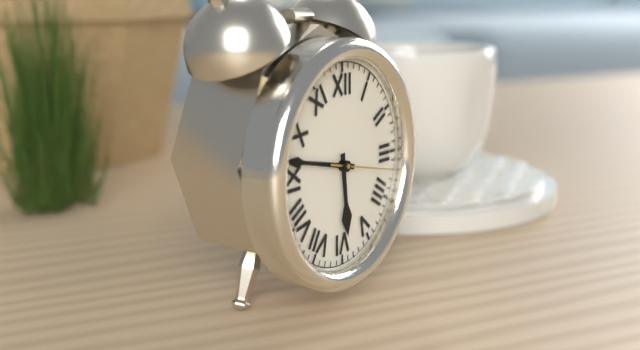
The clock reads h=5 m=47 s=17
